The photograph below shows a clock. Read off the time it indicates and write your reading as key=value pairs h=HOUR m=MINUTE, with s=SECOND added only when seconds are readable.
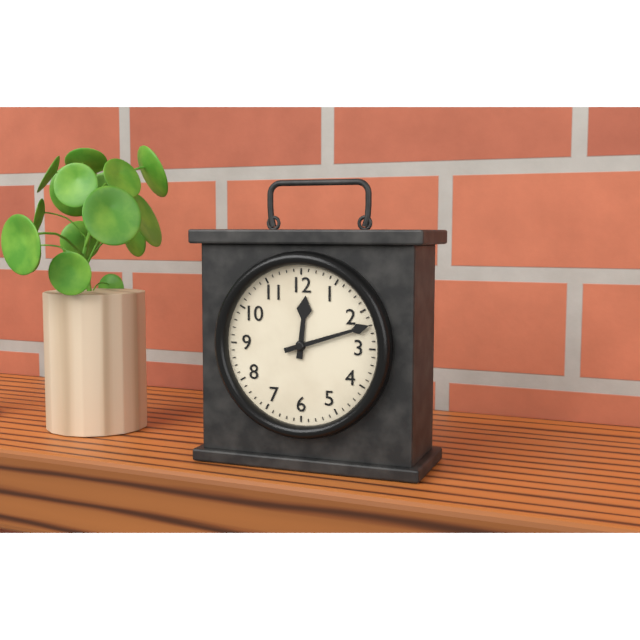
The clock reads h=12 m=12
